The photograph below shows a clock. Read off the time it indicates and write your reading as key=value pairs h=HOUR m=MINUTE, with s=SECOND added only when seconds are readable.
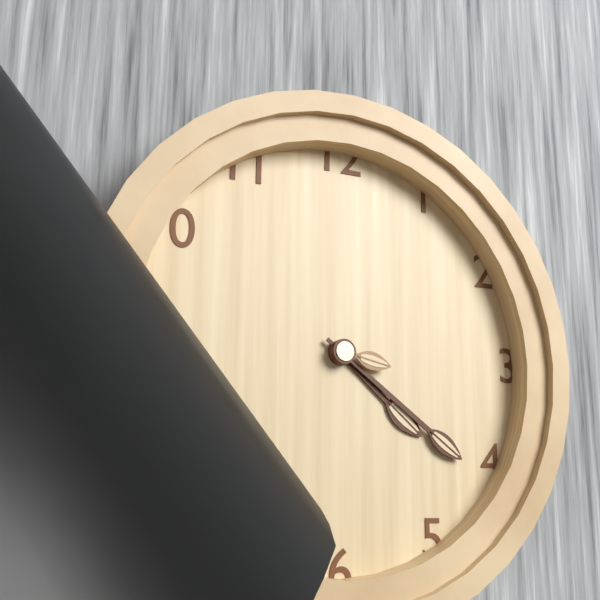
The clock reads h=4 m=21 s=17
